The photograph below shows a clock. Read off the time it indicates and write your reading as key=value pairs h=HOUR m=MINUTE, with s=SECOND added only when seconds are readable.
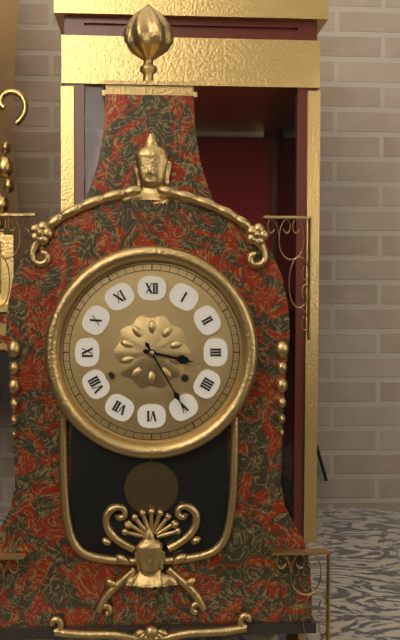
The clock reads h=3 m=25
